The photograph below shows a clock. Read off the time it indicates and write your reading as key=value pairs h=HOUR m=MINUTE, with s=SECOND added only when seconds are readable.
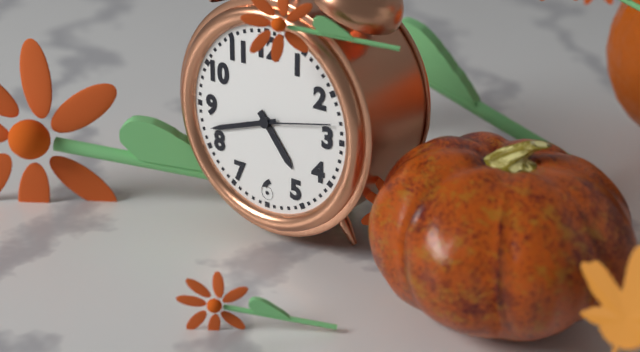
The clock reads h=4 m=42 s=13
